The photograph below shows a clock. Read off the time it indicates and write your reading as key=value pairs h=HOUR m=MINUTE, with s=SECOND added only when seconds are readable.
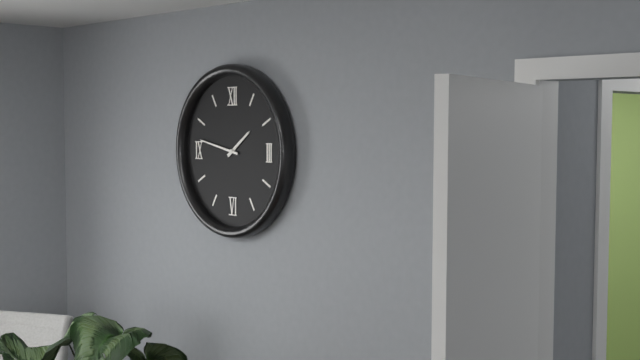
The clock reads h=1 m=47
